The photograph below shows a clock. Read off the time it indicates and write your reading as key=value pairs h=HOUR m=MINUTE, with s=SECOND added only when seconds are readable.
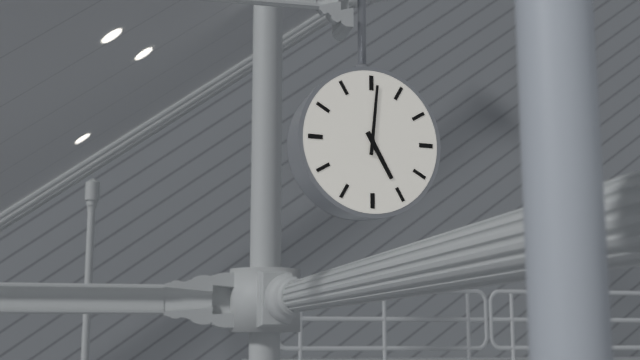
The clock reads h=5 m=1
